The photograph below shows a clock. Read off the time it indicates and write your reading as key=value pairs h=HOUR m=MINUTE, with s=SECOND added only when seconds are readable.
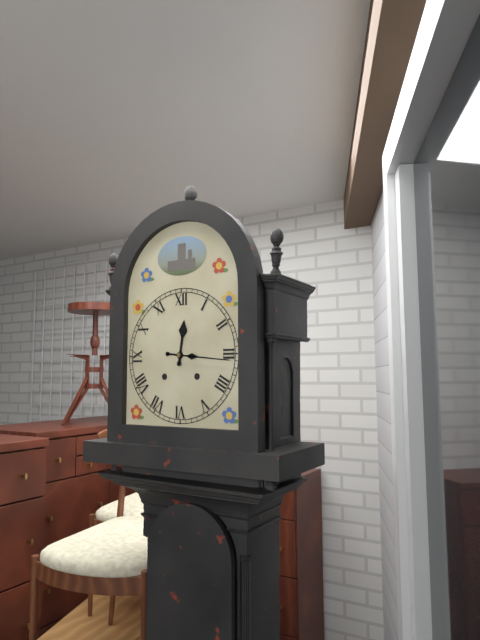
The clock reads h=12 m=16
